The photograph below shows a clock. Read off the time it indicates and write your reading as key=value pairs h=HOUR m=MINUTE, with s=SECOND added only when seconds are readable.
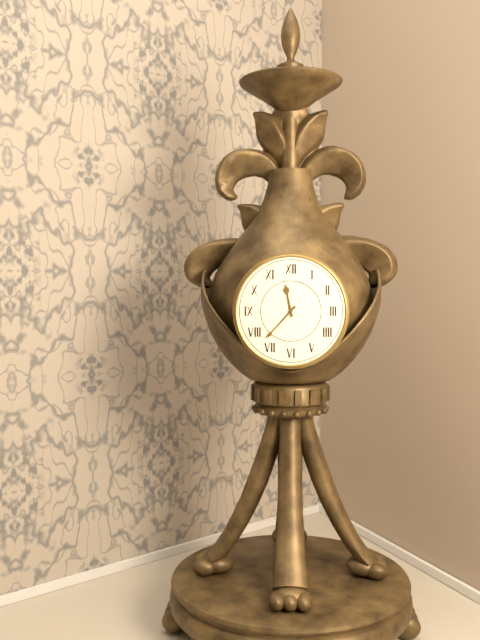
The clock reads h=11 m=37
